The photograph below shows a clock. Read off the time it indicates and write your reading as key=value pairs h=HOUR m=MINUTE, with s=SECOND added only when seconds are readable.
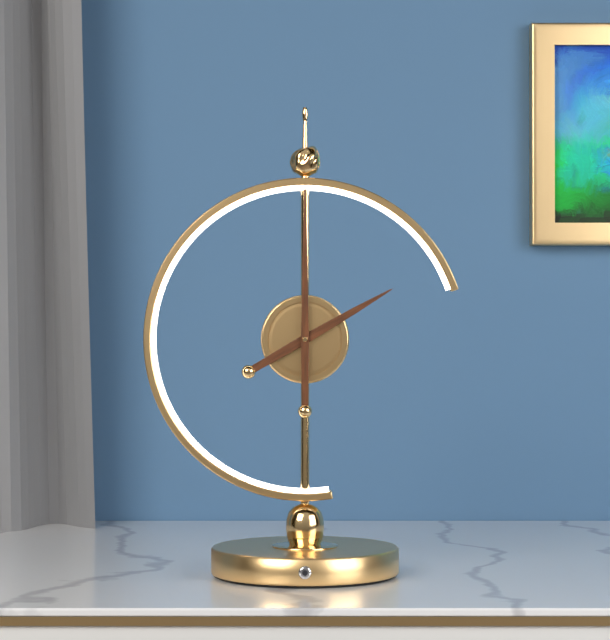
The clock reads h=2 m=0
